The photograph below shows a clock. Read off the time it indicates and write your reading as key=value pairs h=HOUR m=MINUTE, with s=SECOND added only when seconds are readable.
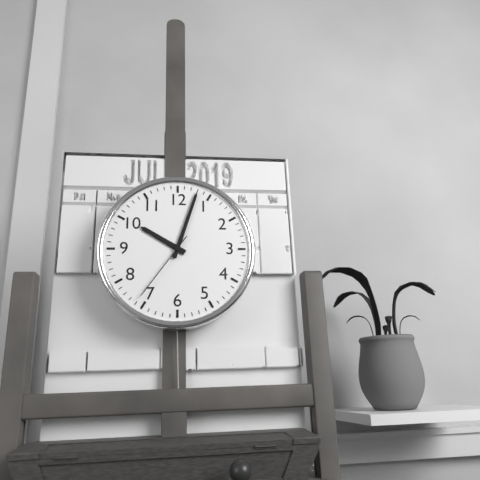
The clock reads h=10 m=3 s=36
